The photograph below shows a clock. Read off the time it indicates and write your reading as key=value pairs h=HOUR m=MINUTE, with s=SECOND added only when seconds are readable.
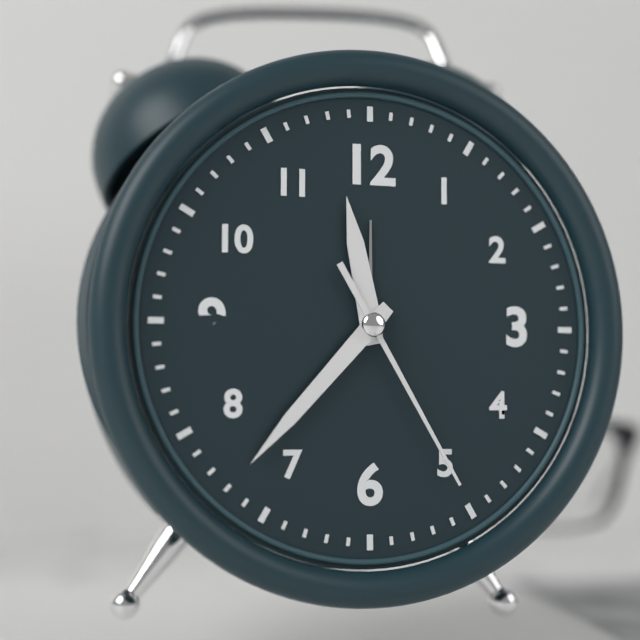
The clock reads h=11 m=37 s=25
